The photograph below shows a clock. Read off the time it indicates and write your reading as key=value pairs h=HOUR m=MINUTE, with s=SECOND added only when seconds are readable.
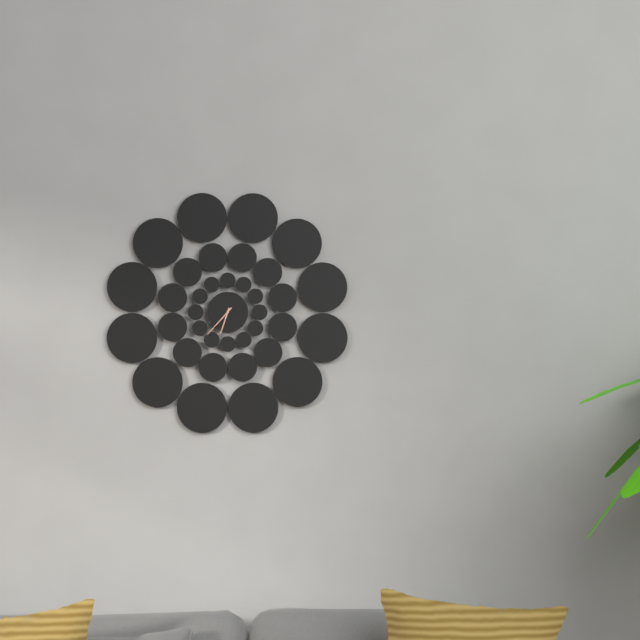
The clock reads h=6 m=37
